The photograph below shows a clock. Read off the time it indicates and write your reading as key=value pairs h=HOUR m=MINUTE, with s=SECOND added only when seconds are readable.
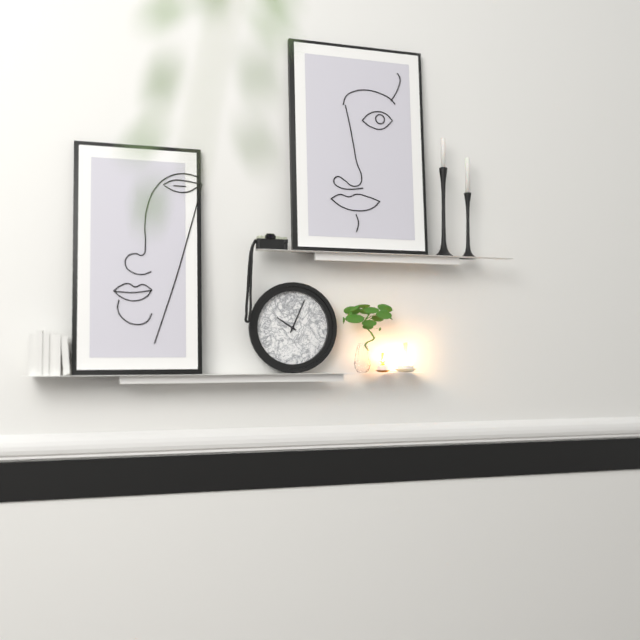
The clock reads h=10 m=4
